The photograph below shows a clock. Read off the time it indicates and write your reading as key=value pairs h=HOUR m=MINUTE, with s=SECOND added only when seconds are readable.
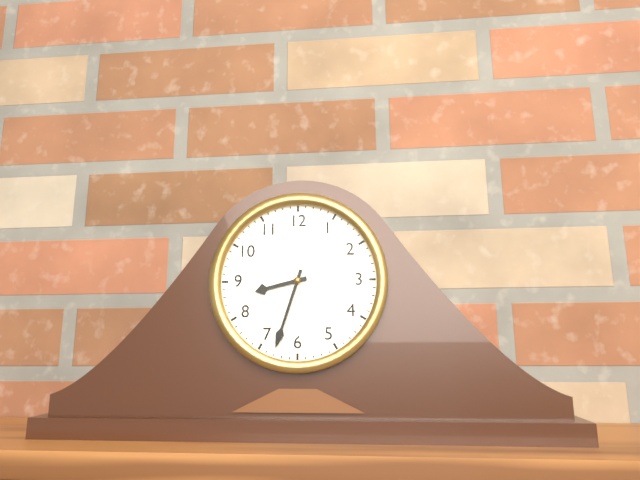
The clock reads h=8 m=33
